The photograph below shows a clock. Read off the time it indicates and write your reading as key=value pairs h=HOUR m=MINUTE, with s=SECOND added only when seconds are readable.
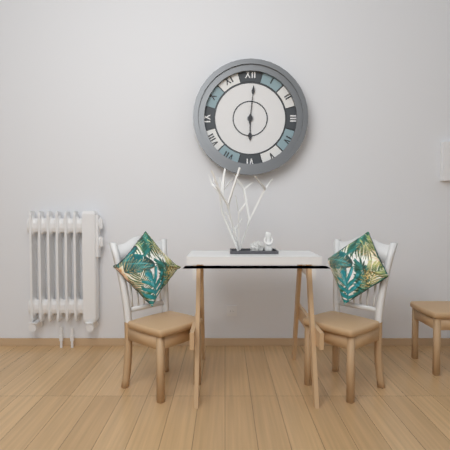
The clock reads h=6 m=1
